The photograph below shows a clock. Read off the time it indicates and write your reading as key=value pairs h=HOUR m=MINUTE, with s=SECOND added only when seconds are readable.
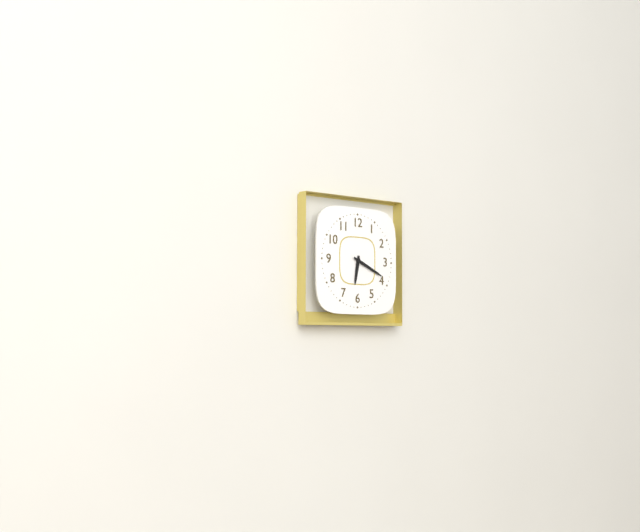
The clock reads h=6 m=19
